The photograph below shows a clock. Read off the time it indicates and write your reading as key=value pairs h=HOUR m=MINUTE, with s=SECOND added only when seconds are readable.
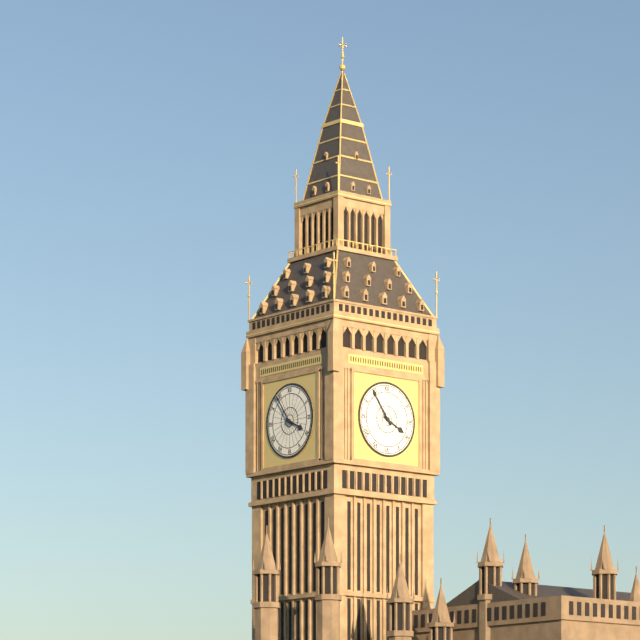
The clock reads h=3 m=54
